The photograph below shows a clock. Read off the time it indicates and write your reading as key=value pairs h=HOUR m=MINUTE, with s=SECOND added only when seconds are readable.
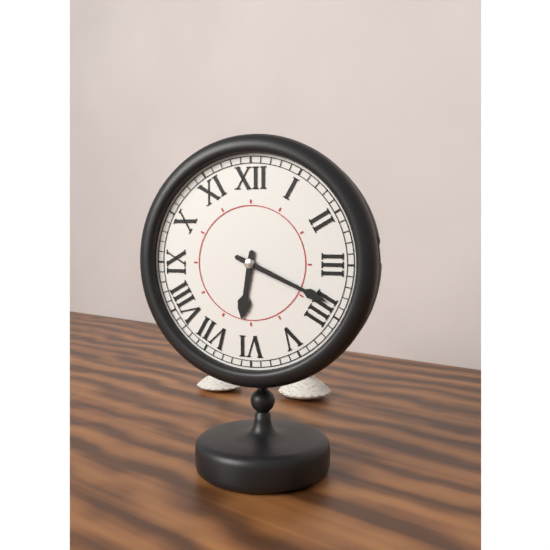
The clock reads h=6 m=19
